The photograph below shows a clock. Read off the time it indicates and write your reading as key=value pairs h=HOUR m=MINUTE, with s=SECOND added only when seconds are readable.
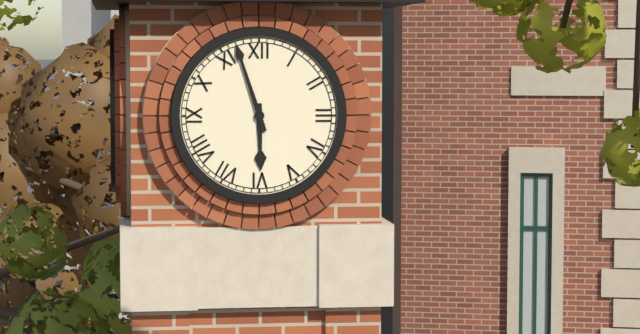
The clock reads h=5 m=57
